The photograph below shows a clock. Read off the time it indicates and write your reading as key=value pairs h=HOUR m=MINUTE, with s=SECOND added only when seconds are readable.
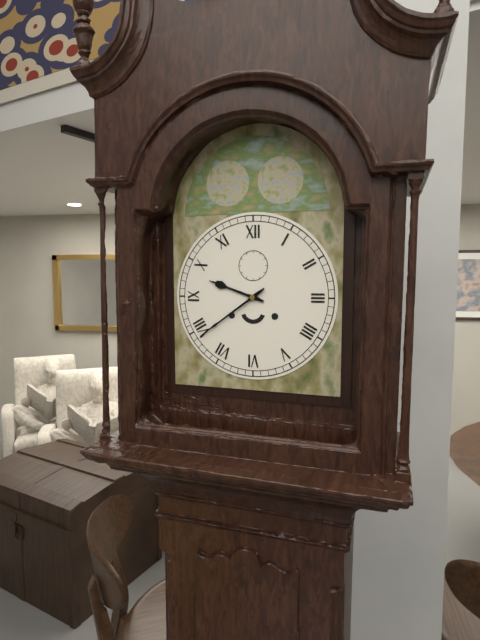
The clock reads h=9 m=39
